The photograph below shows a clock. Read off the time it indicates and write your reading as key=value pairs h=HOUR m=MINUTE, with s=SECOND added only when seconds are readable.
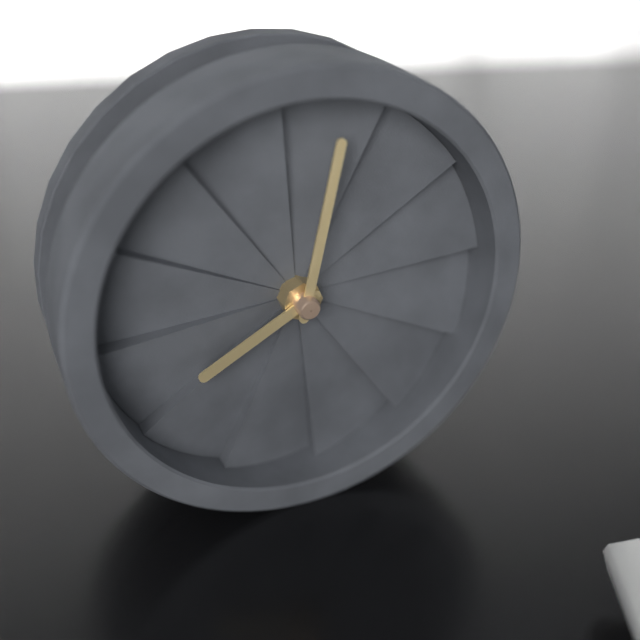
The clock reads h=8 m=2
